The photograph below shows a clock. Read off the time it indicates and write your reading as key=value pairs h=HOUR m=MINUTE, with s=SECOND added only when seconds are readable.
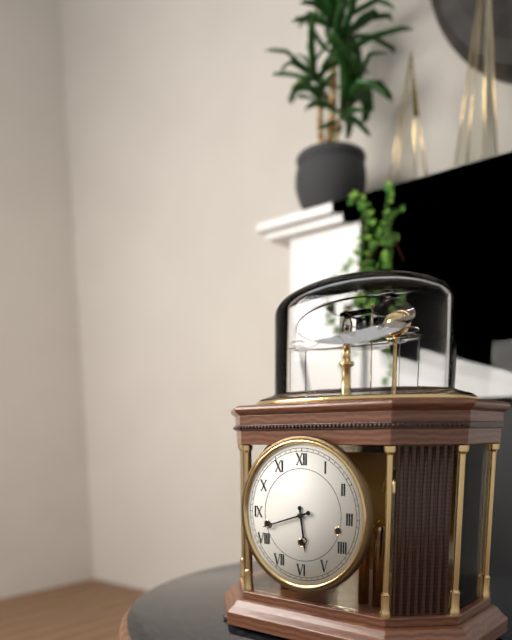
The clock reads h=5 m=42
